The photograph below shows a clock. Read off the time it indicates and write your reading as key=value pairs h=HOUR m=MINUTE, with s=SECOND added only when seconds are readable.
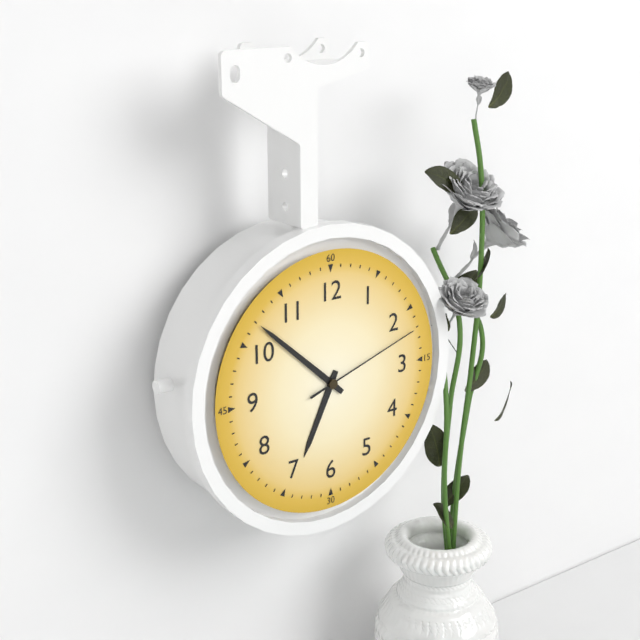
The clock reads h=6 m=52 s=12
